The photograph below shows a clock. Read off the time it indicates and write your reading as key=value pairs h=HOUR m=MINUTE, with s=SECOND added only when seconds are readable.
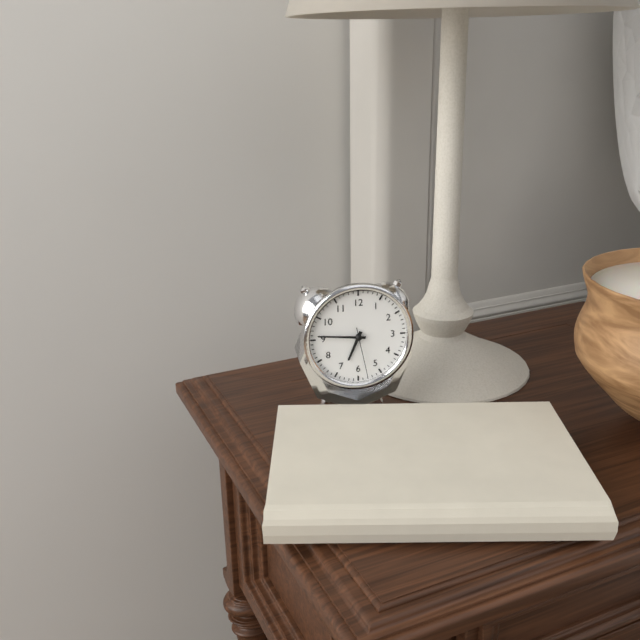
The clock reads h=6 m=46 s=28
